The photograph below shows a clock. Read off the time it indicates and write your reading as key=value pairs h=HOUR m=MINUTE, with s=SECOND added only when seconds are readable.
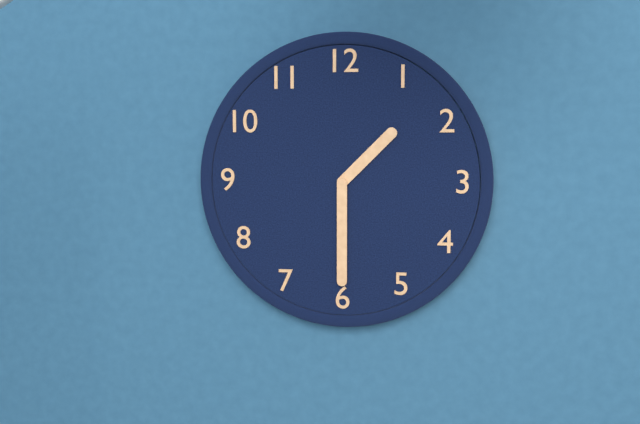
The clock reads h=1 m=30
